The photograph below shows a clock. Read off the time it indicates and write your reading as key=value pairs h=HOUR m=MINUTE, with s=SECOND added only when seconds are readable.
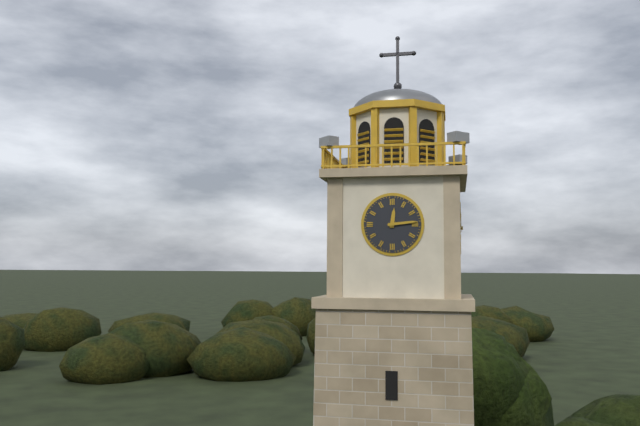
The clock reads h=12 m=14
